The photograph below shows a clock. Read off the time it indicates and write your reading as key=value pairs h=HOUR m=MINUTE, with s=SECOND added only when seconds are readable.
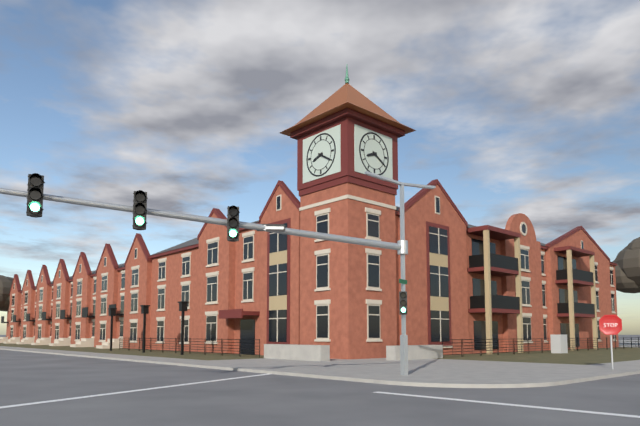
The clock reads h=8 m=20
